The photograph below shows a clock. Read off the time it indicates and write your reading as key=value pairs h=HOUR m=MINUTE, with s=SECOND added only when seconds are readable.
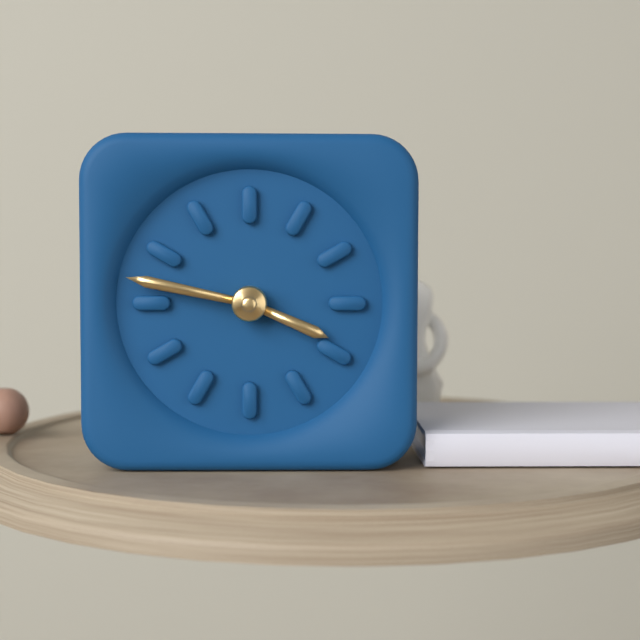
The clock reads h=3 m=47
